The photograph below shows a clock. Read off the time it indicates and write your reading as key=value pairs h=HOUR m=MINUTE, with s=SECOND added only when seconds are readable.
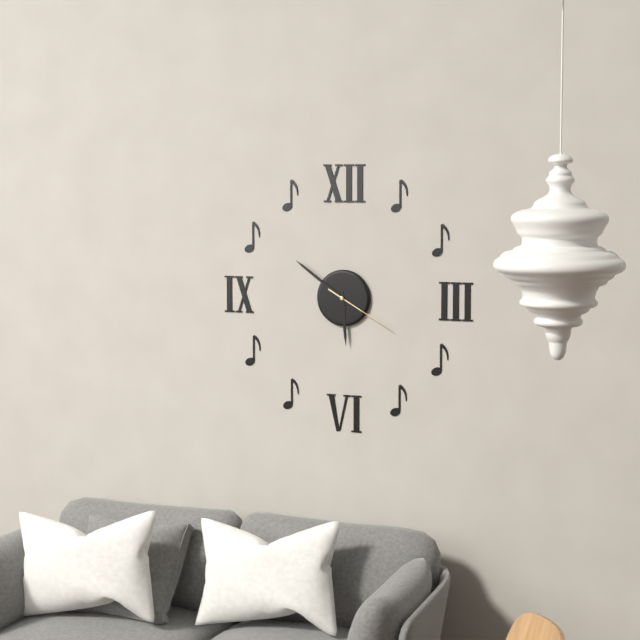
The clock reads h=5 m=51 s=20
